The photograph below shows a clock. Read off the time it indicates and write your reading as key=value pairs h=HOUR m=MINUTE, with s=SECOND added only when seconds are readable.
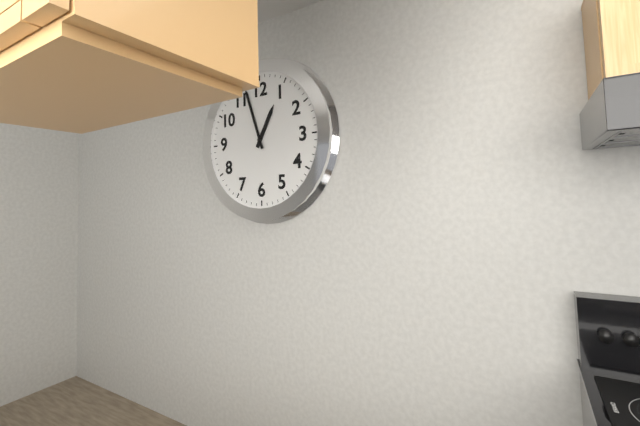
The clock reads h=12 m=57
